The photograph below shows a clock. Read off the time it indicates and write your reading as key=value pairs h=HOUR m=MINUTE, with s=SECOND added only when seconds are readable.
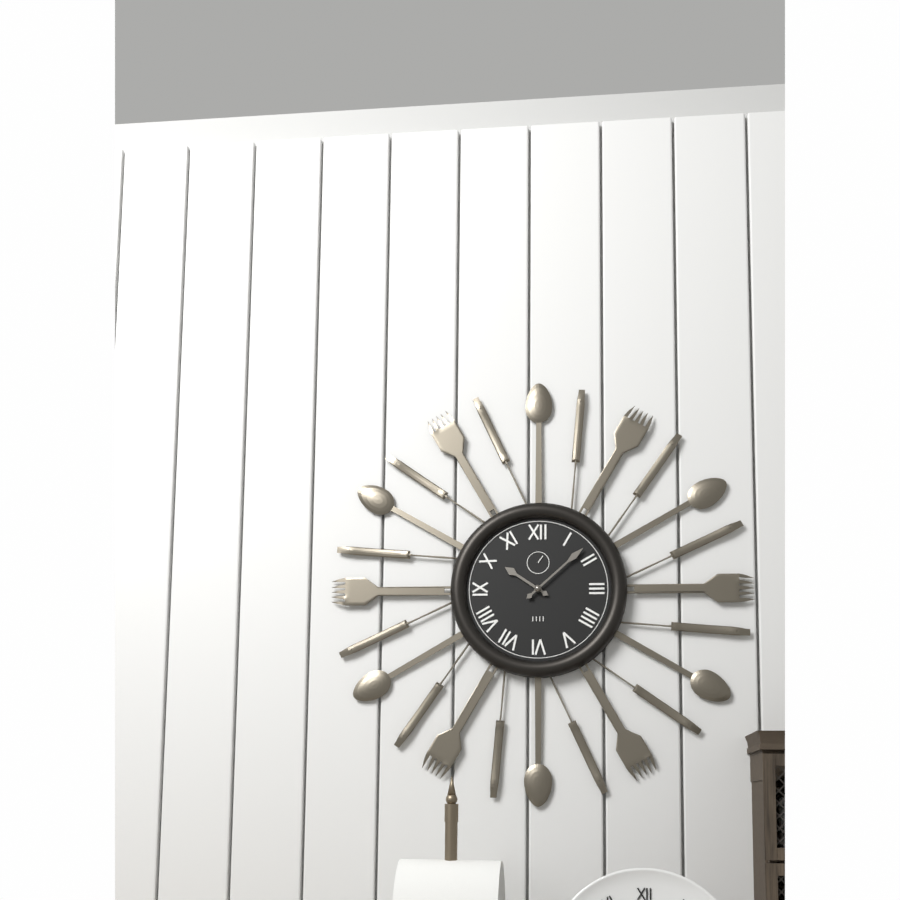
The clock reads h=10 m=8
